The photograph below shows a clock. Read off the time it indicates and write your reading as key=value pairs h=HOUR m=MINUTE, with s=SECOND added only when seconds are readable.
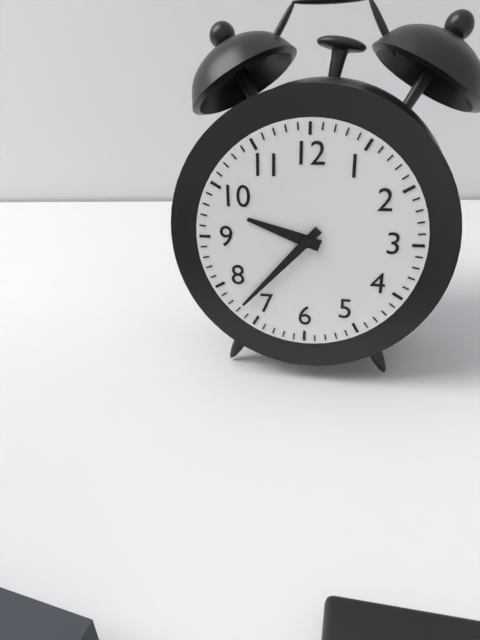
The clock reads h=9 m=37
